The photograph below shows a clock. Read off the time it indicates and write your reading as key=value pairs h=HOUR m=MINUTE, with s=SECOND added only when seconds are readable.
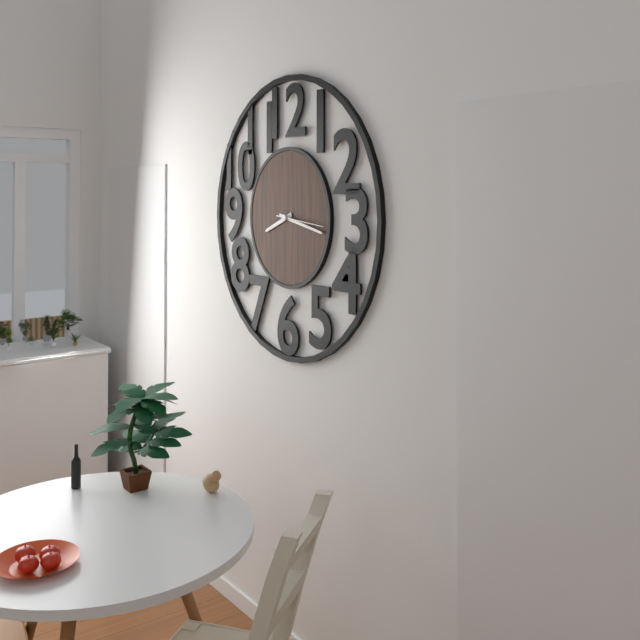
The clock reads h=8 m=17
